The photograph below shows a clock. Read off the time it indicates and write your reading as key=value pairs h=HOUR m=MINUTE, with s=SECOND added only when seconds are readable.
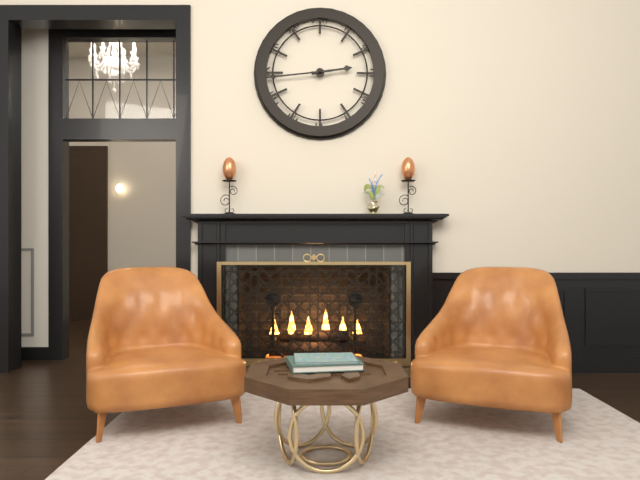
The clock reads h=2 m=44
